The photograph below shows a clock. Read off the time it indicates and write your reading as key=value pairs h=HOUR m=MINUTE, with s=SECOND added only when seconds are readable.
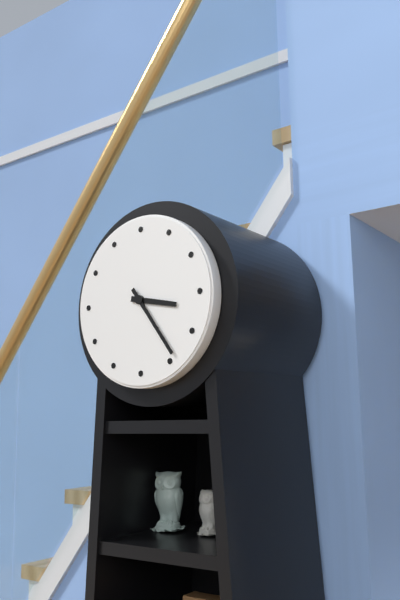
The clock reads h=3 m=24
